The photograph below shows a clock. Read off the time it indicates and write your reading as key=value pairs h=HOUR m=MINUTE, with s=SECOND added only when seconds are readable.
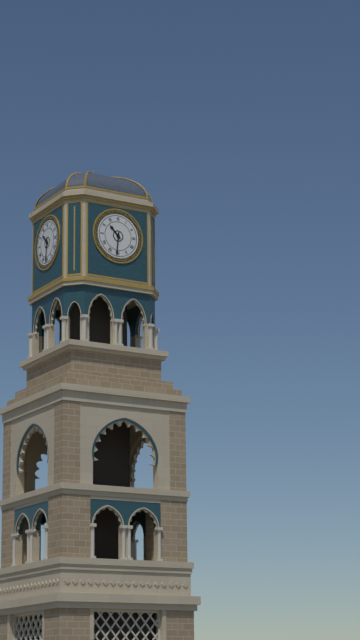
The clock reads h=10 m=31
